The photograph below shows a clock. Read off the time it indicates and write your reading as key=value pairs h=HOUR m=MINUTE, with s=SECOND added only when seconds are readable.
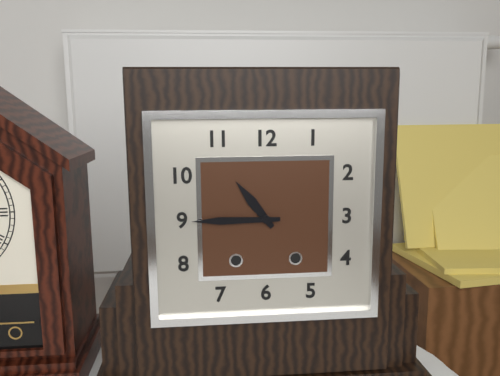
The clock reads h=10 m=45
